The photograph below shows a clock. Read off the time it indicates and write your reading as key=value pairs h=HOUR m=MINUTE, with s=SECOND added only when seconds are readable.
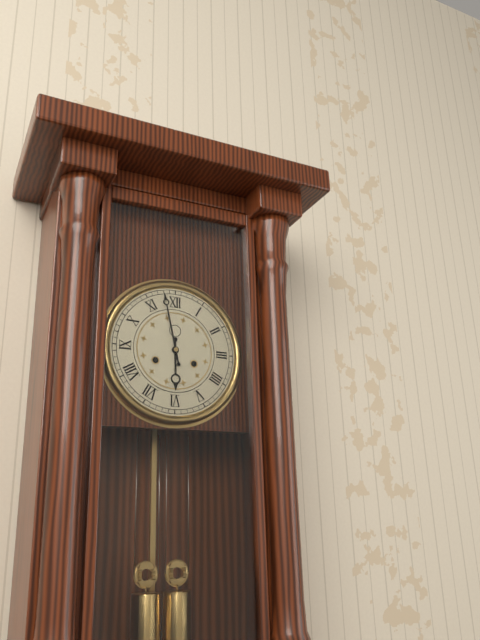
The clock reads h=5 m=58
